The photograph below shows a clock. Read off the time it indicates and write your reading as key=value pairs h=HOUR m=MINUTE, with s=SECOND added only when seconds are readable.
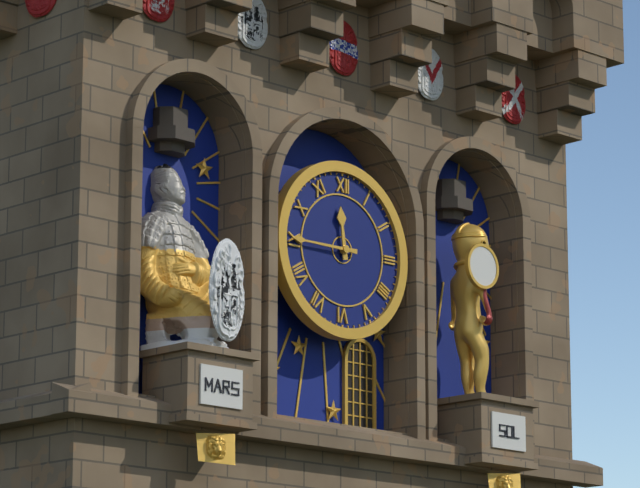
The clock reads h=11 m=45
